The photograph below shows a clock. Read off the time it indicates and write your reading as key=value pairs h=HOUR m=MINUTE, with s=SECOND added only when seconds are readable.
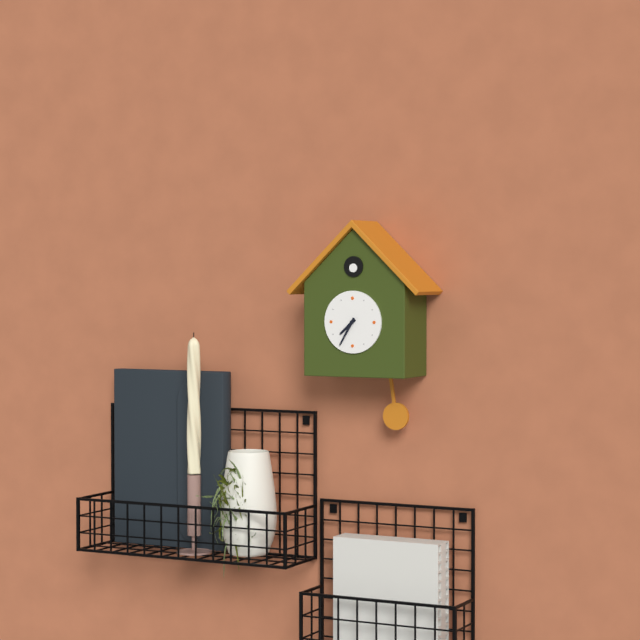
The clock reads h=7 m=35
